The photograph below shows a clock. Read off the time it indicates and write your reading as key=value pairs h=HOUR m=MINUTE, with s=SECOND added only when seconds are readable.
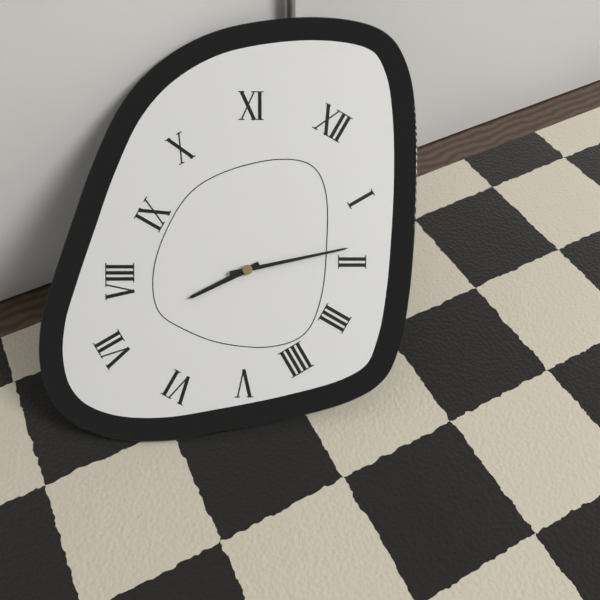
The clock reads h=7 m=8
